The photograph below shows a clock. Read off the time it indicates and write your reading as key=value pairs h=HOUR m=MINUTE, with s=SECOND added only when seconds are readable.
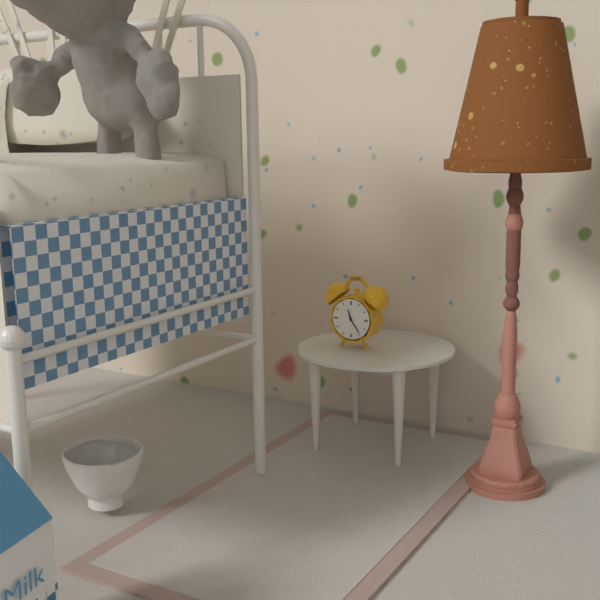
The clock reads h=11 m=24
